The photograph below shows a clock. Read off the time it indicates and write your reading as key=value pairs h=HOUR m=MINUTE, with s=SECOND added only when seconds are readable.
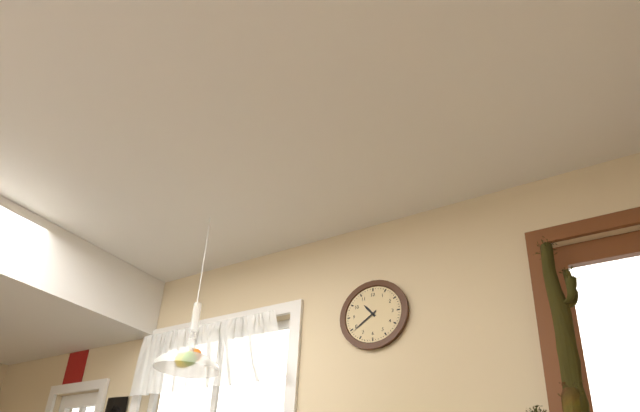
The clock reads h=10 m=39
